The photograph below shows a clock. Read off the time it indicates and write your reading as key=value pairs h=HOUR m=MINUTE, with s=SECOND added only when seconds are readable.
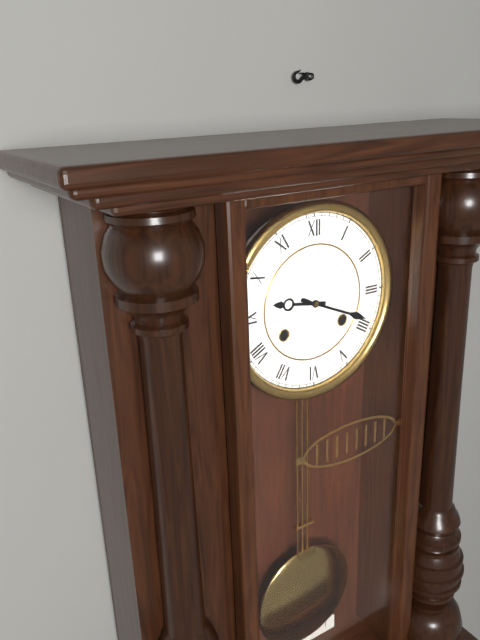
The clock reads h=9 m=19
